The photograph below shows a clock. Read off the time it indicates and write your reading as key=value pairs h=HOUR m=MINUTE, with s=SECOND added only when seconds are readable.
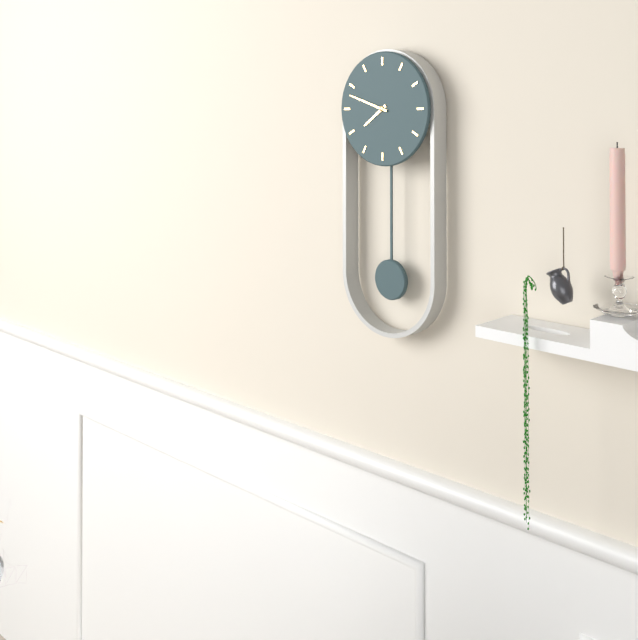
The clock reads h=7 m=48
